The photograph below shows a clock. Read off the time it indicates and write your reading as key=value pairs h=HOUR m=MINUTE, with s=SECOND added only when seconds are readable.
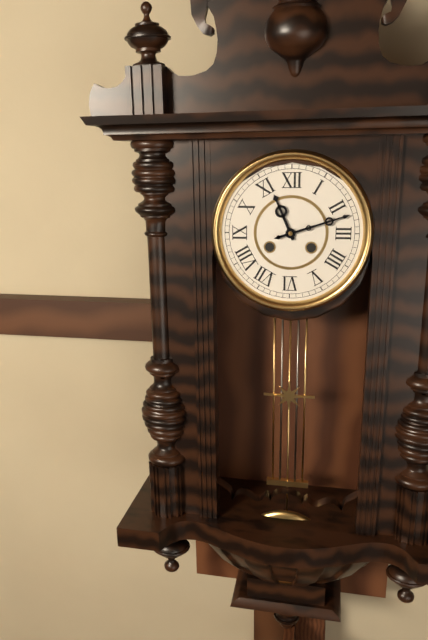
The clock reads h=11 m=12
